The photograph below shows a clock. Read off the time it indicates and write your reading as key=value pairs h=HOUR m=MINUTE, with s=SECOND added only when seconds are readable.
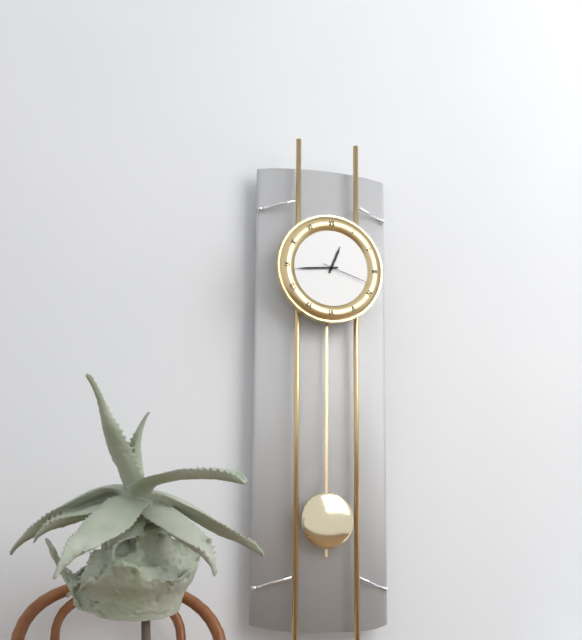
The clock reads h=12 m=44 s=18
